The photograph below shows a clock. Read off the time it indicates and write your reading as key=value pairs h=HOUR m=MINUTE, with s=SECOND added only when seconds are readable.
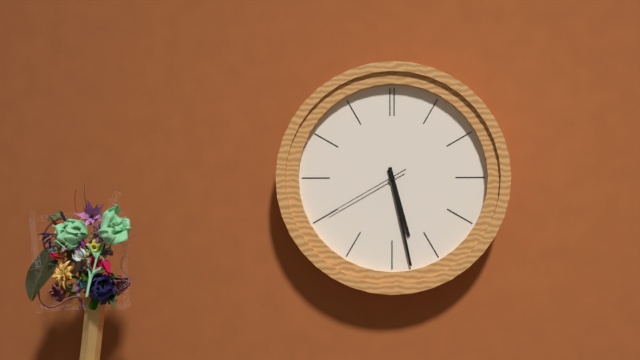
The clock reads h=5 m=28 s=40
